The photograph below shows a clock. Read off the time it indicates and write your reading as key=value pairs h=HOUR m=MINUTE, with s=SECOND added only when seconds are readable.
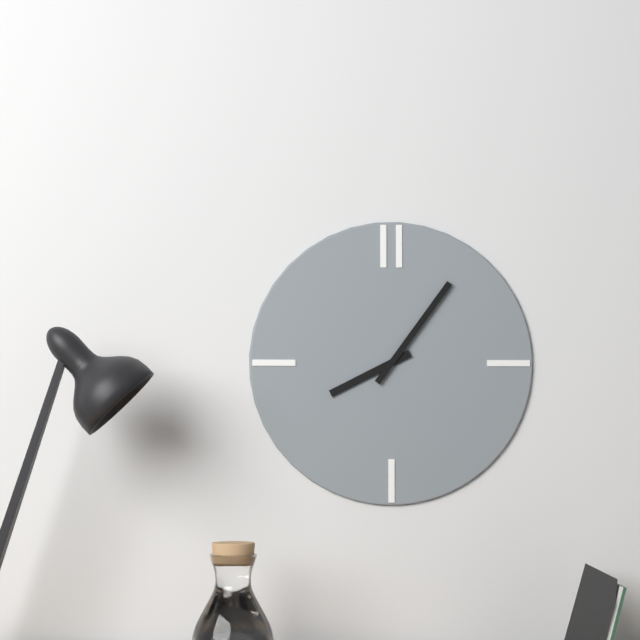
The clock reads h=8 m=6
